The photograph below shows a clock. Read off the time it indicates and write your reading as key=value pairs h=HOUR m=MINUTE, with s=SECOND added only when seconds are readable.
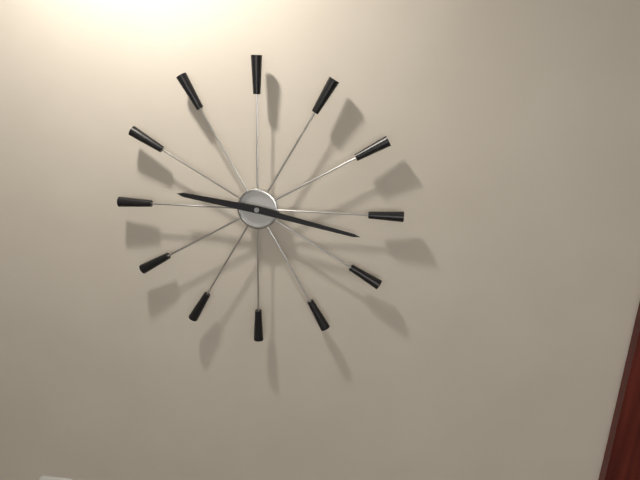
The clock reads h=9 m=17
